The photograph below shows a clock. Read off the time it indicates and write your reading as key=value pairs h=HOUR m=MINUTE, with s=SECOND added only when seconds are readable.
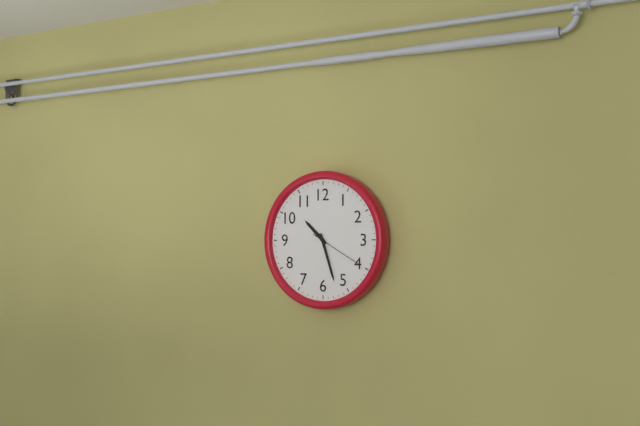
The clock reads h=10 m=27
